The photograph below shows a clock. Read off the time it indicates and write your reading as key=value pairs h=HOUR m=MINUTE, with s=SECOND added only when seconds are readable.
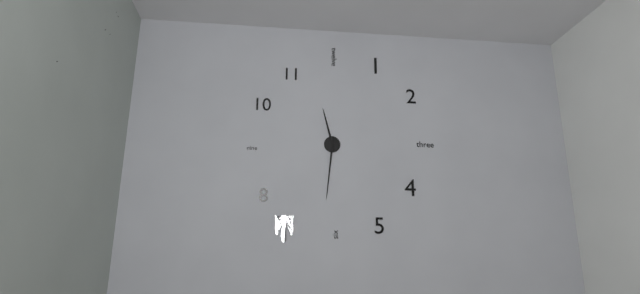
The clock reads h=11 m=31
